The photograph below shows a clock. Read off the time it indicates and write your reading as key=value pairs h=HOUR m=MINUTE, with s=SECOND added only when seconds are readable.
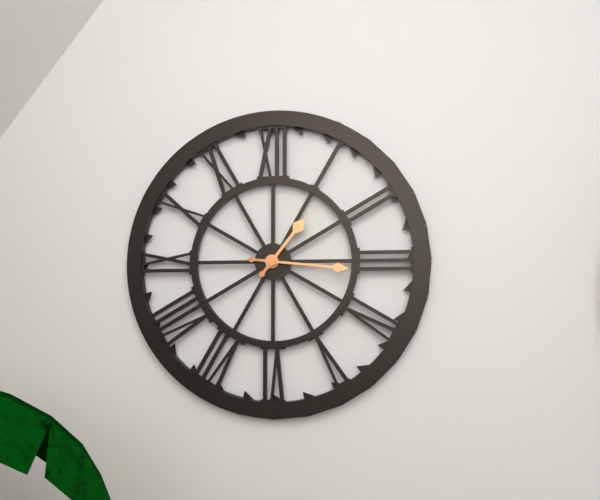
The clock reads h=1 m=16
